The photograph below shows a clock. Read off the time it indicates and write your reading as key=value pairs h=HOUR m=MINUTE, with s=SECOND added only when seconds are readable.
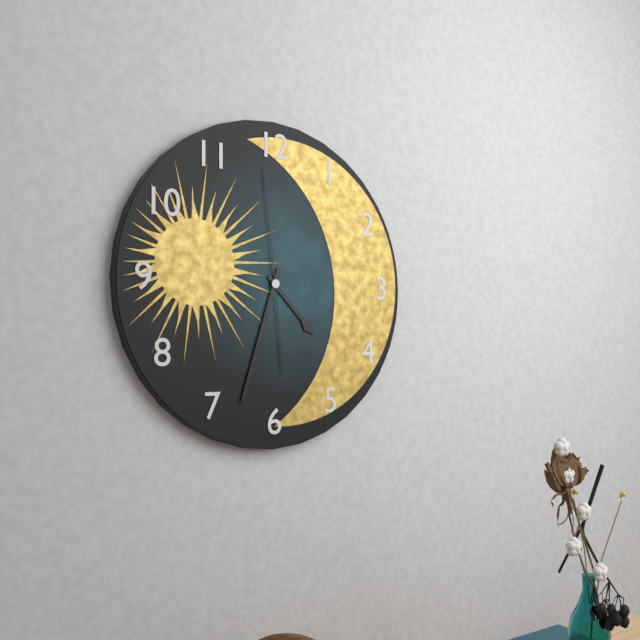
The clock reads h=4 m=33 s=59
